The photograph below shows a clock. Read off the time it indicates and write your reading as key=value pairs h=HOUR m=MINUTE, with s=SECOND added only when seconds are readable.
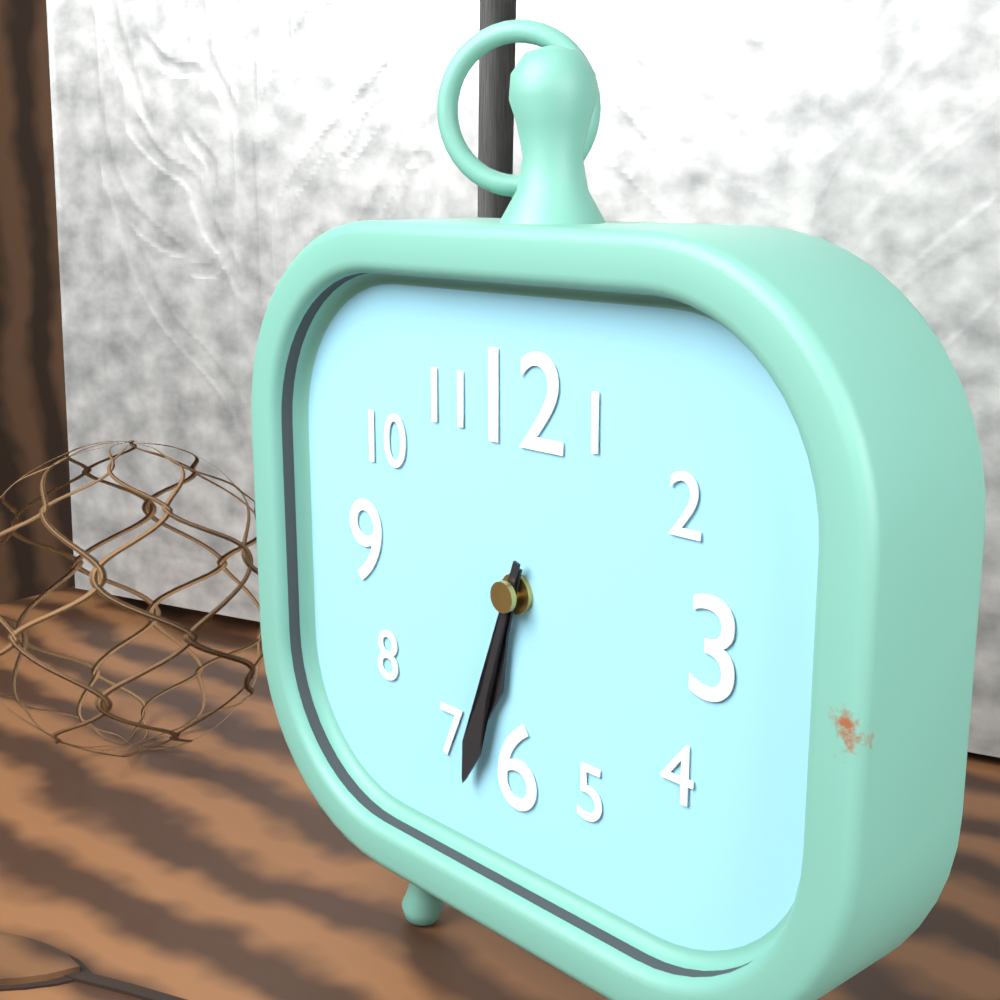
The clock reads h=6 m=33
